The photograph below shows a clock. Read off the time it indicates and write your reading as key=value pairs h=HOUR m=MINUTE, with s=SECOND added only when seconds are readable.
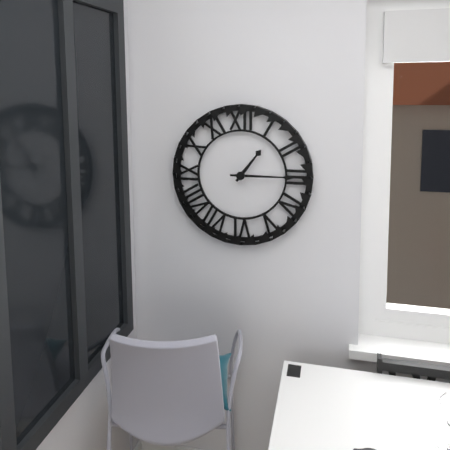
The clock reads h=1 m=15
